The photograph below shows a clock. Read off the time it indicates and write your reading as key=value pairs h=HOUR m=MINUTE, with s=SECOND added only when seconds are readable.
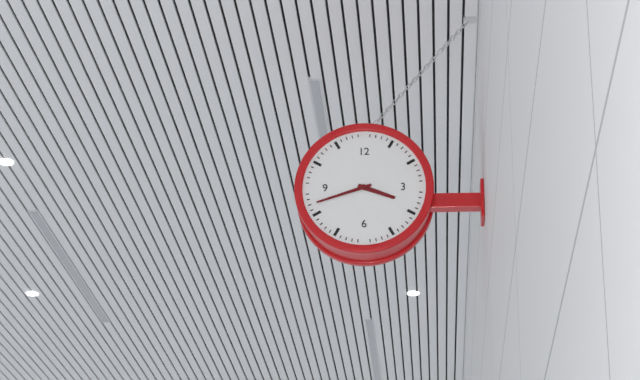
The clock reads h=3 m=42
